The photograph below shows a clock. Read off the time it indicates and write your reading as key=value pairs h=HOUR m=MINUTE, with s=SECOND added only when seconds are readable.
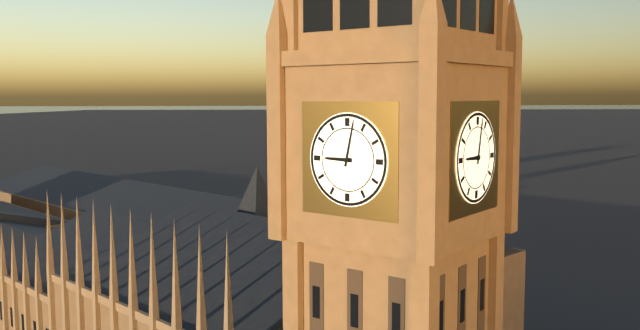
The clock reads h=9 m=2
